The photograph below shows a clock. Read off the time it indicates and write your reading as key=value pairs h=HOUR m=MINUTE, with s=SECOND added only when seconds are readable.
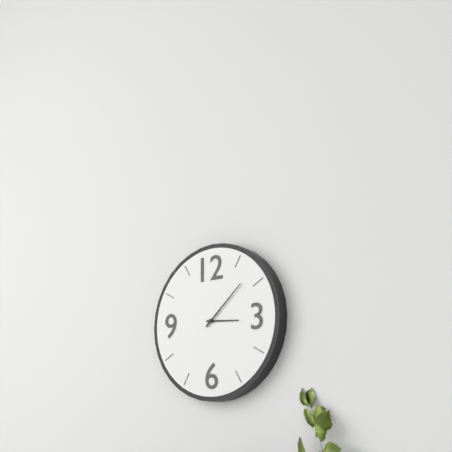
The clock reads h=3 m=8
